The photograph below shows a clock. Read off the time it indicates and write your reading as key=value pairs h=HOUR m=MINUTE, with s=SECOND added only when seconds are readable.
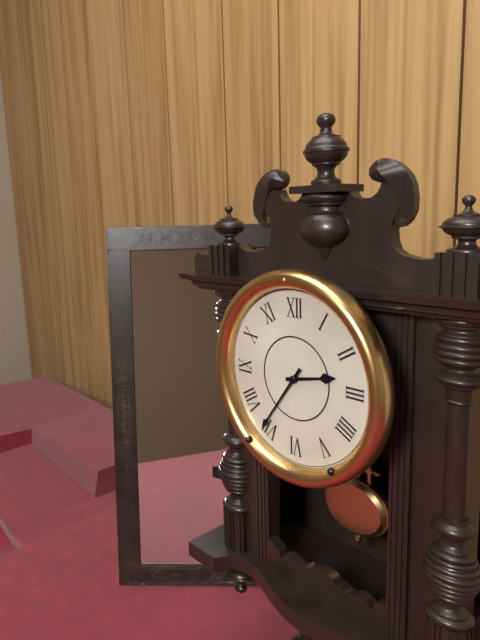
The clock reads h=2 m=36
